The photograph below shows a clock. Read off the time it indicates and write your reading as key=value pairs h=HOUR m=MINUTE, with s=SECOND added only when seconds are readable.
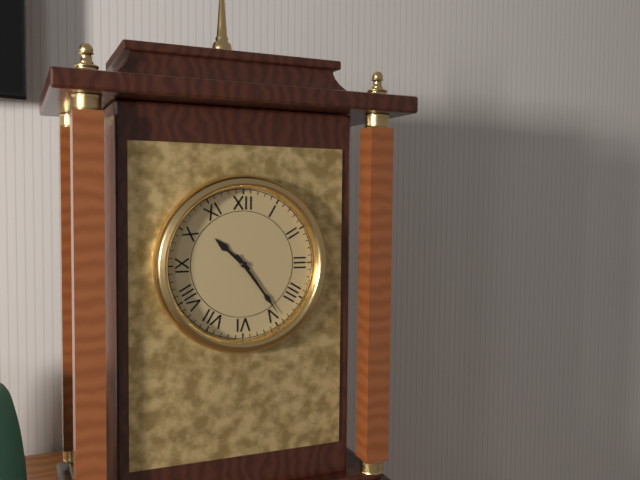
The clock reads h=10 m=24
